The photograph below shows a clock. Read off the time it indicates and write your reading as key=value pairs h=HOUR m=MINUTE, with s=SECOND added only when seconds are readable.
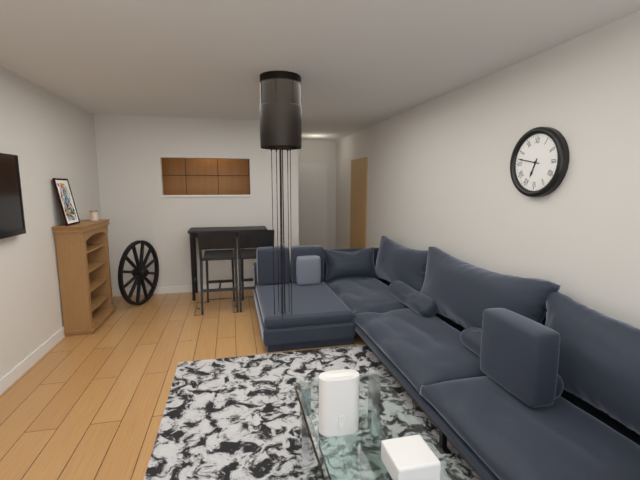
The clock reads h=6 m=47
